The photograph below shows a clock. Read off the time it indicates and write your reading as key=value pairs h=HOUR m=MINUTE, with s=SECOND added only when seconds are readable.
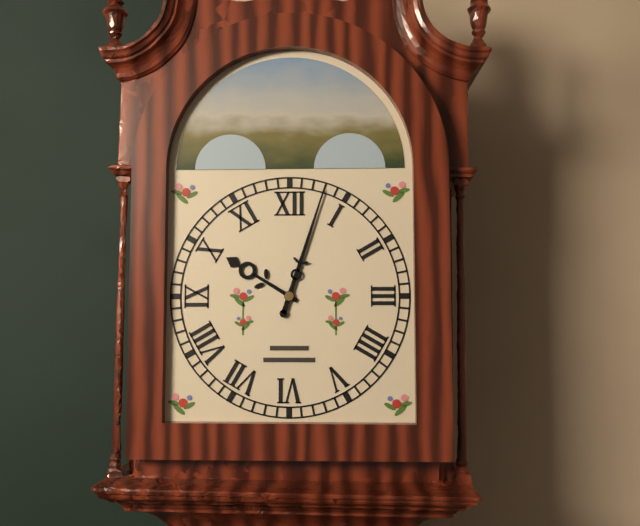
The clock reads h=10 m=3
